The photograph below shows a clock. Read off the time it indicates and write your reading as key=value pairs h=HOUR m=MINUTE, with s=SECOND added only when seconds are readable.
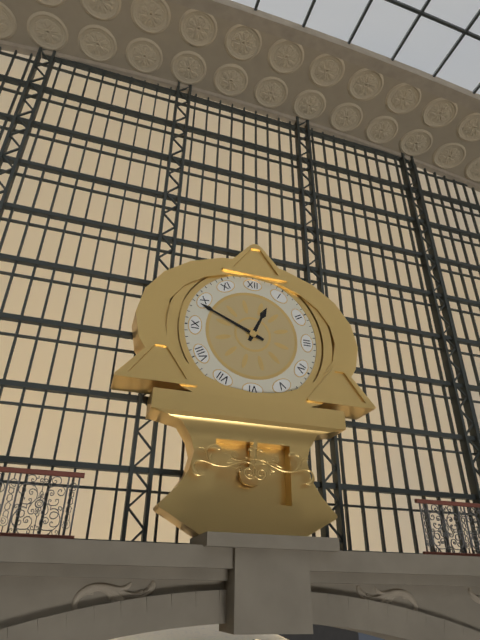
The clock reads h=12 m=49
